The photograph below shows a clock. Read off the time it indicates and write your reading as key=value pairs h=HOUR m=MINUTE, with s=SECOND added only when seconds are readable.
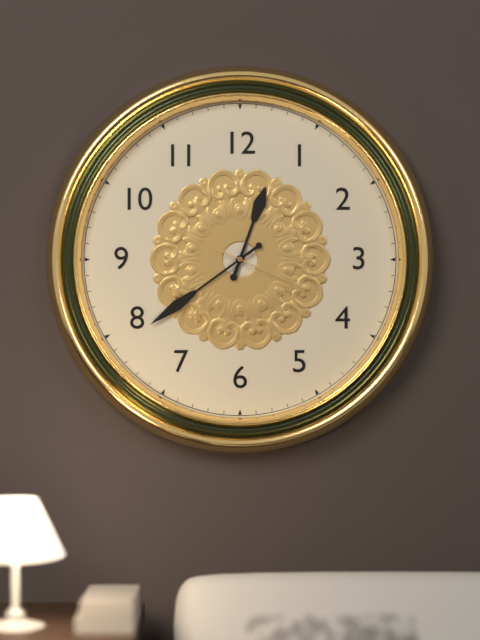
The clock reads h=12 m=39 s=19
